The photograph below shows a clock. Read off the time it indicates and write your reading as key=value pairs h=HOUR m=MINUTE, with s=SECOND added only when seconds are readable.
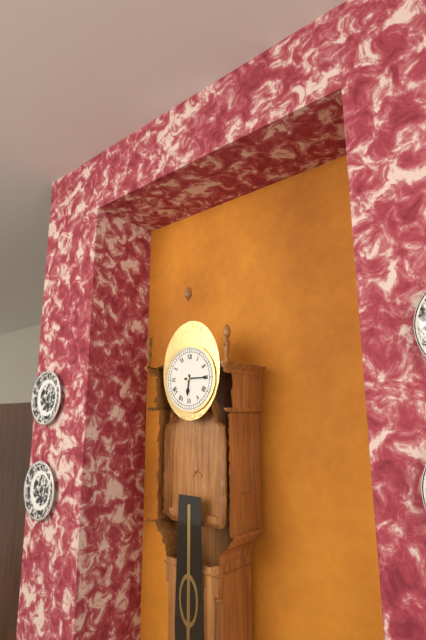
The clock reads h=6 m=15
